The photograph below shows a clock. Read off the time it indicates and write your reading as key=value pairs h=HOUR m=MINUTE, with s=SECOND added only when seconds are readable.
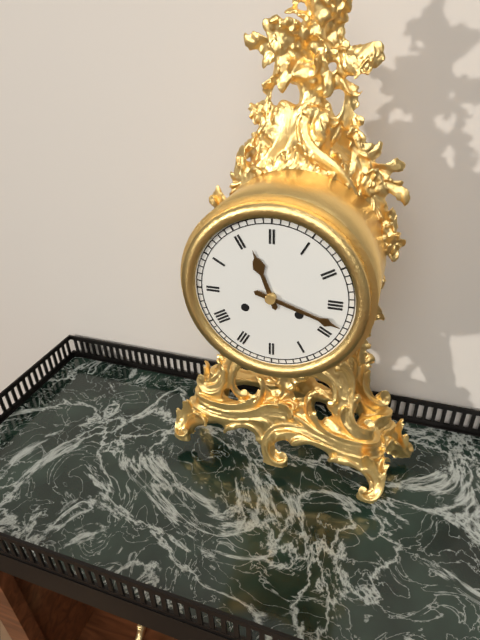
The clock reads h=11 m=18
